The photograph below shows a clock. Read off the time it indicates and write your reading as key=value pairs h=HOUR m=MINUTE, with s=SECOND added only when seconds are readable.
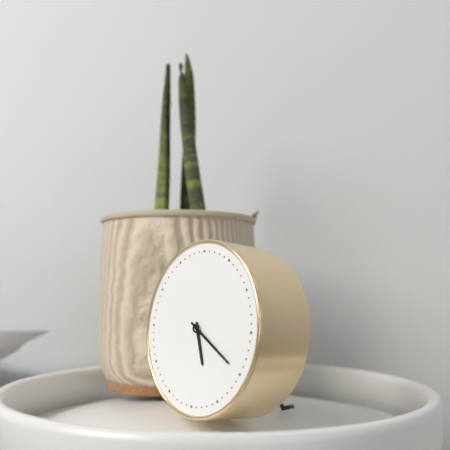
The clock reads h=5 m=20
